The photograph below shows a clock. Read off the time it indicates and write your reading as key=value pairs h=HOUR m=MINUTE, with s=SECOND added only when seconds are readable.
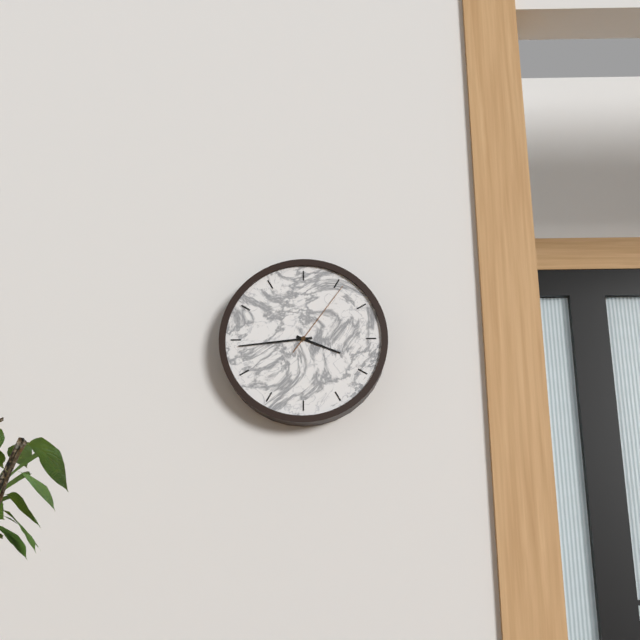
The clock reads h=3 m=44 s=6
